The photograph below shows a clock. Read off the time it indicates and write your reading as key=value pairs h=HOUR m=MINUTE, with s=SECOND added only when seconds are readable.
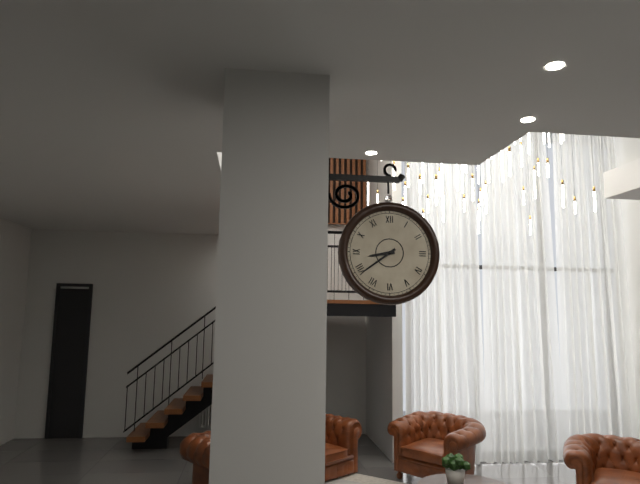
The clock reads h=8 m=39
